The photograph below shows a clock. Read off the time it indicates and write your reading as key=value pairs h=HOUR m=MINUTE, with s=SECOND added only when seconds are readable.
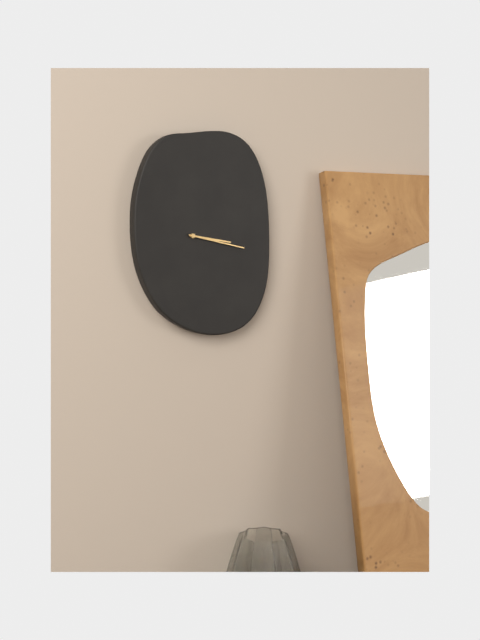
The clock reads h=3 m=17
